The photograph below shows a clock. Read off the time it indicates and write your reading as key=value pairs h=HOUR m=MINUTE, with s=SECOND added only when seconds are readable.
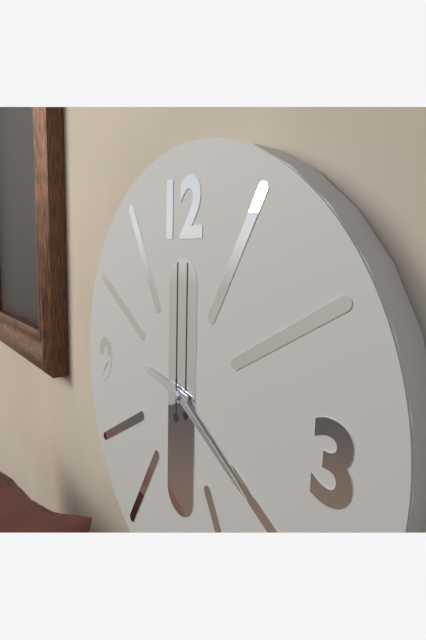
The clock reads h=9 m=20 s=0
